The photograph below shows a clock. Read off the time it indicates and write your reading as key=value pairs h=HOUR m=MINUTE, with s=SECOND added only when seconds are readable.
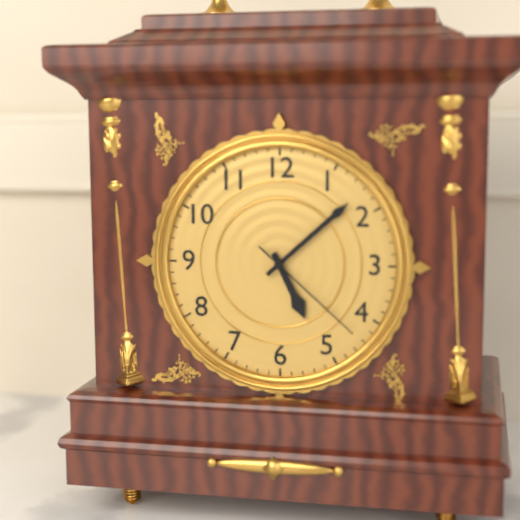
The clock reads h=5 m=8 s=22
